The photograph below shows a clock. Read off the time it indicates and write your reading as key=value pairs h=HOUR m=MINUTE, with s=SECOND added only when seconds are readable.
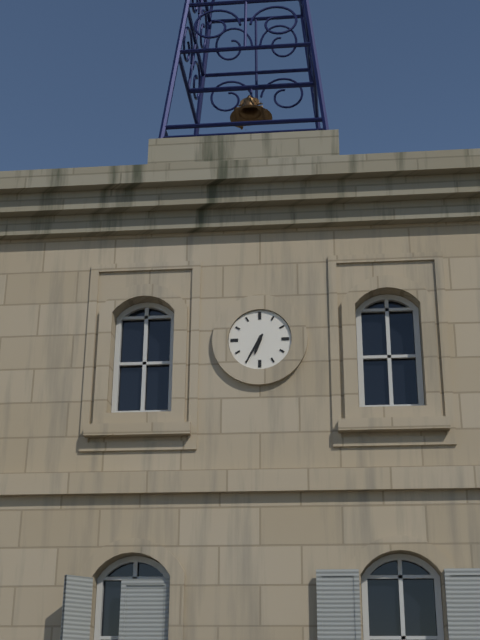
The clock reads h=6 m=35
